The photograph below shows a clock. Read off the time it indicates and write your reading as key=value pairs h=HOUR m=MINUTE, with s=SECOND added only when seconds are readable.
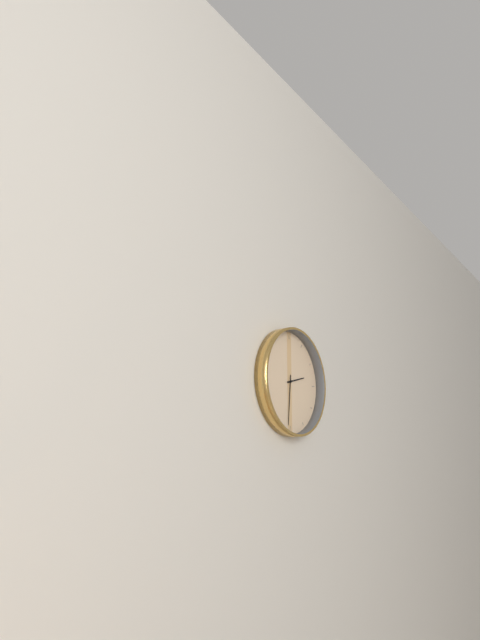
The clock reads h=2 m=31
